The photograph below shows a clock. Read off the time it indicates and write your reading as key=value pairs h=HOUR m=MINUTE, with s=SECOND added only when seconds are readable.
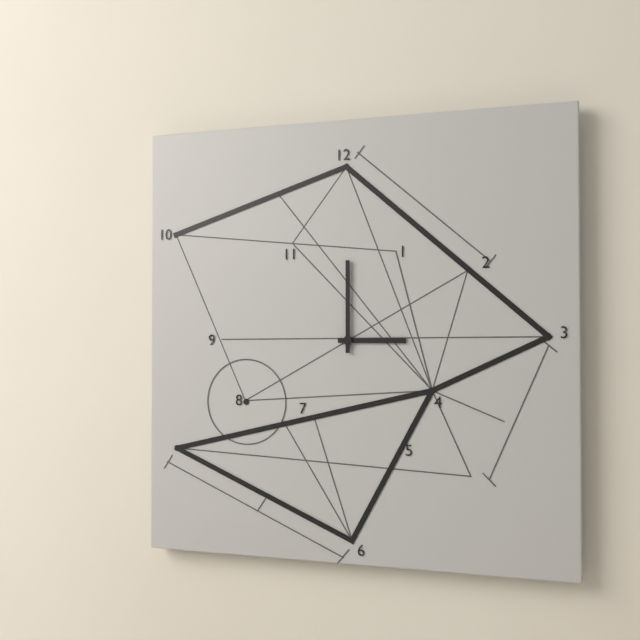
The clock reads h=3 m=0
